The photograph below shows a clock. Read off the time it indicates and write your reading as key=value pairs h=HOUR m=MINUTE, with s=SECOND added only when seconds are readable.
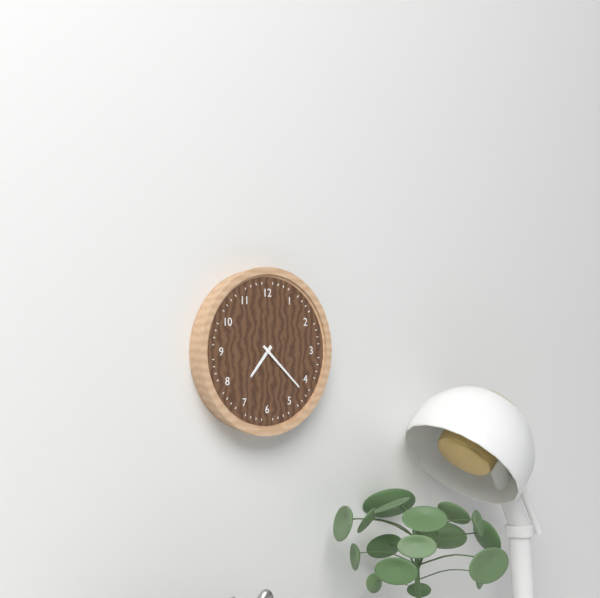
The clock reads h=7 m=22
